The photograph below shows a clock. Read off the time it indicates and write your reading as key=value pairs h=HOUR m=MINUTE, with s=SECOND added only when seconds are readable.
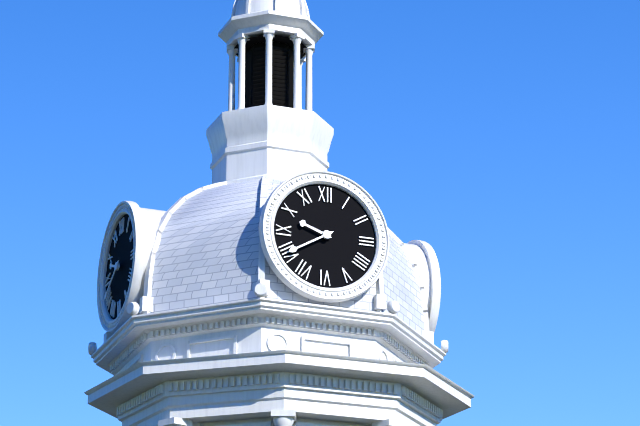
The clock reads h=9 m=40
